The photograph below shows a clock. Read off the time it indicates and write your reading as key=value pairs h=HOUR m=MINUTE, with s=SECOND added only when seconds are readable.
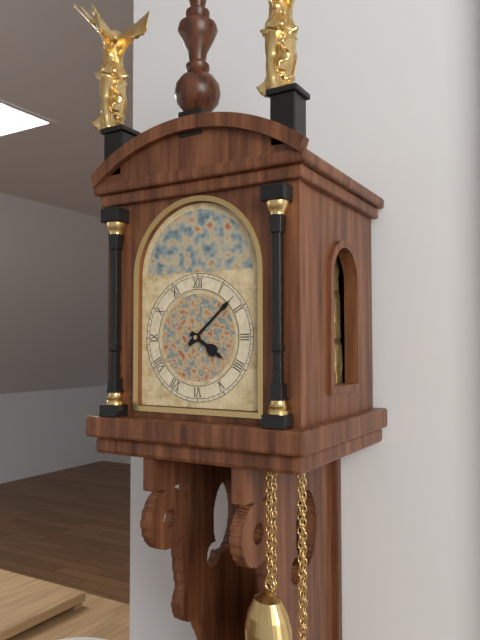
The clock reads h=4 m=8
